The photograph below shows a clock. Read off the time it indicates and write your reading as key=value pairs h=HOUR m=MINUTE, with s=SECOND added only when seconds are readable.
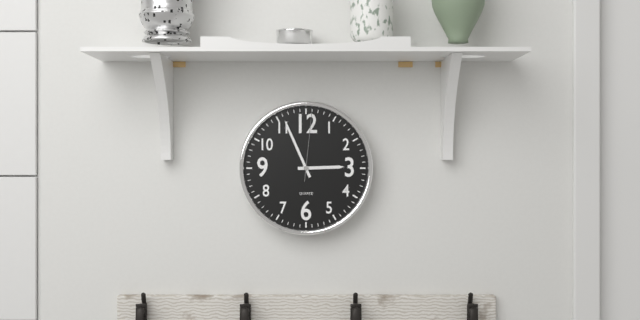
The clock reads h=2 m=56 s=1
